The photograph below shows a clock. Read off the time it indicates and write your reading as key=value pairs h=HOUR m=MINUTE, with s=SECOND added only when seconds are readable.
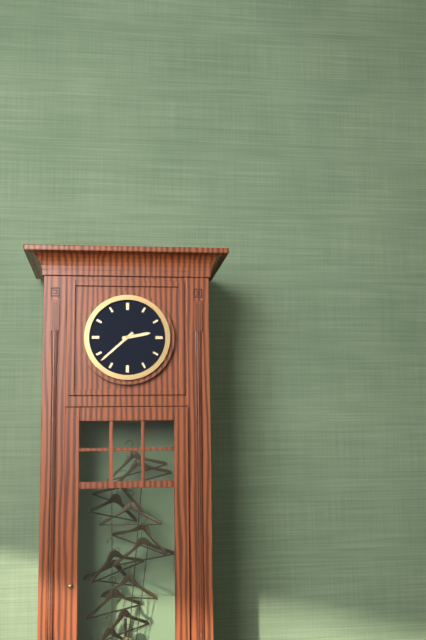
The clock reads h=2 m=38
